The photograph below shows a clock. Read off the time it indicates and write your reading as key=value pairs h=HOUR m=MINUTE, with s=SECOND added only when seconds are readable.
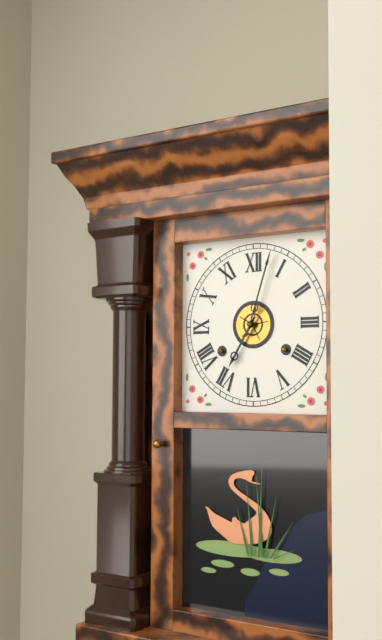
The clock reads h=7 m=3
